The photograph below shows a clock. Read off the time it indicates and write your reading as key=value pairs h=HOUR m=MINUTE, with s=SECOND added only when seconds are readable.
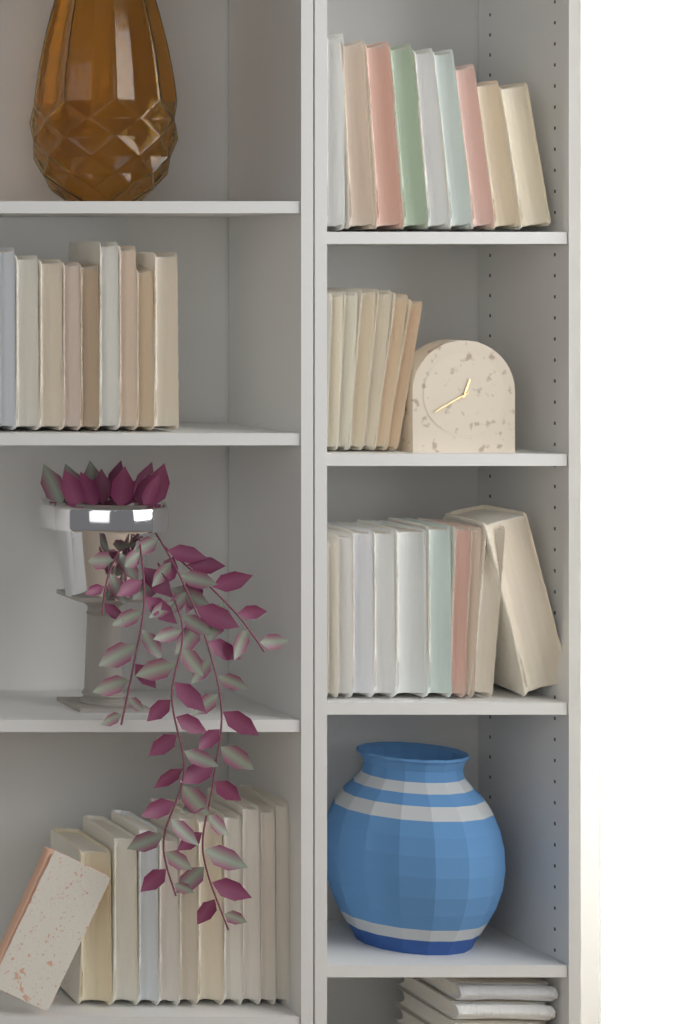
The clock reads h=12 m=40
